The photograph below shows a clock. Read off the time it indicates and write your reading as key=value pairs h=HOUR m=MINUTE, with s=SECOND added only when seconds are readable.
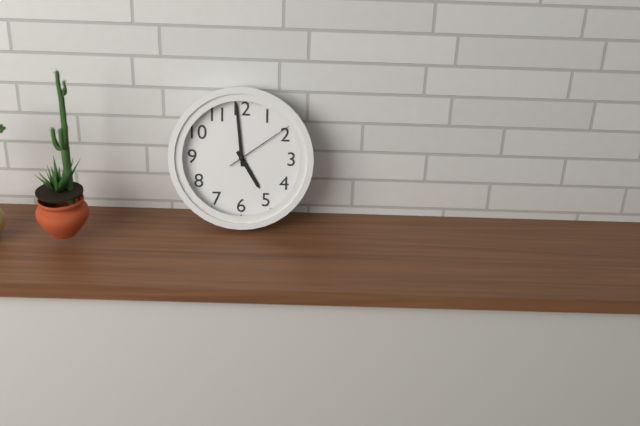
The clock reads h=4 m=59 s=9
